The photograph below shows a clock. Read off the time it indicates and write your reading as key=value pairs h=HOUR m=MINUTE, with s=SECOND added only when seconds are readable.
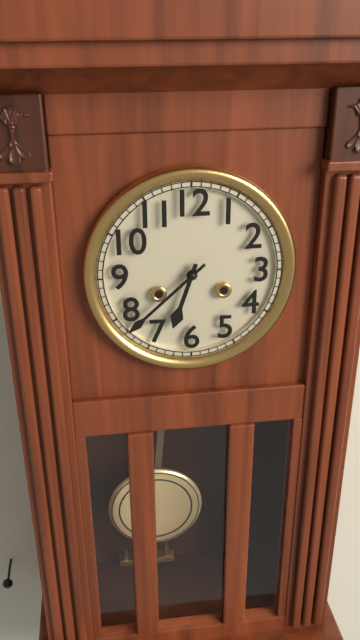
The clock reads h=6 m=38
